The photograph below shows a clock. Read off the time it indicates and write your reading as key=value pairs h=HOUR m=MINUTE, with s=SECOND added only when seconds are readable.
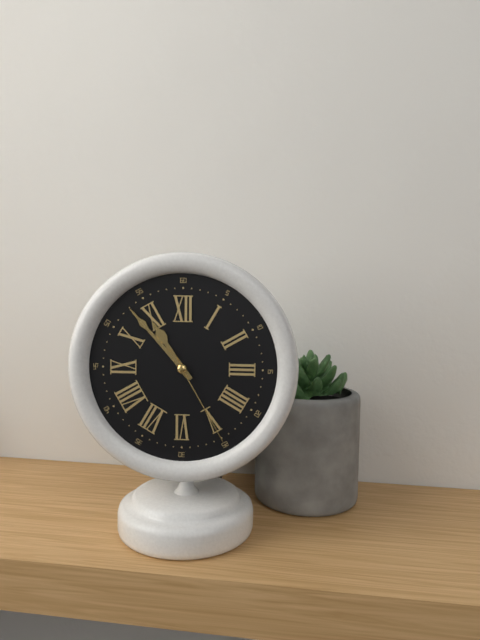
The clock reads h=10 m=53 s=25
